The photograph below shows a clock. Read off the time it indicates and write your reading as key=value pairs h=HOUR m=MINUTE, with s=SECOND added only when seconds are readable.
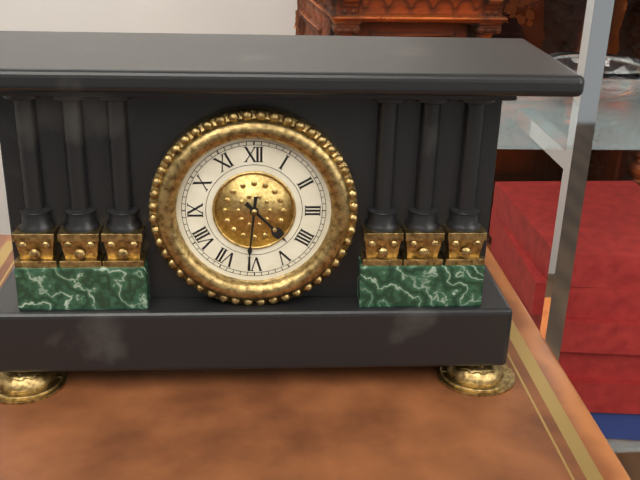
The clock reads h=4 m=31
